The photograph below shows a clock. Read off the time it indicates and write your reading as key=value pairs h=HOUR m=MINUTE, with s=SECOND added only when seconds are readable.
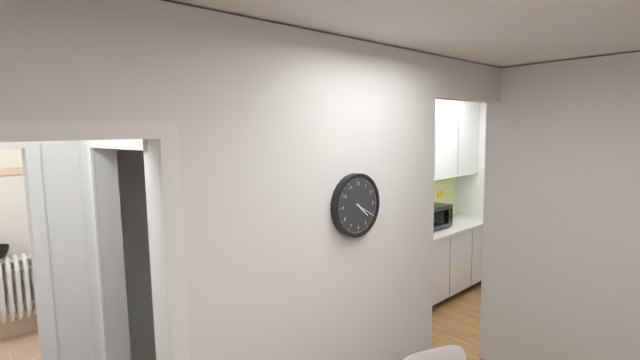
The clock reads h=4 m=20
